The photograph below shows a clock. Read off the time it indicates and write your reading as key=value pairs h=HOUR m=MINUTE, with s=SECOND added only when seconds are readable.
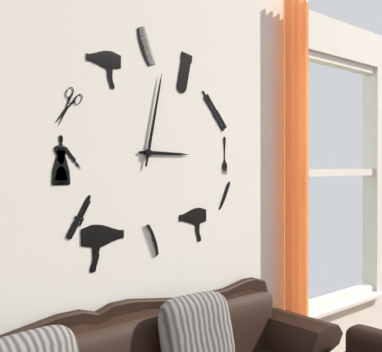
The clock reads h=3 m=2
